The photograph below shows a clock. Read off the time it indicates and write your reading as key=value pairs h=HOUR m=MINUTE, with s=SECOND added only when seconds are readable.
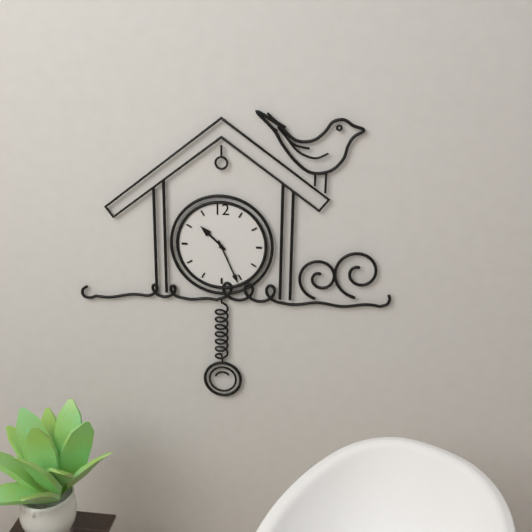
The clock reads h=10 m=26
